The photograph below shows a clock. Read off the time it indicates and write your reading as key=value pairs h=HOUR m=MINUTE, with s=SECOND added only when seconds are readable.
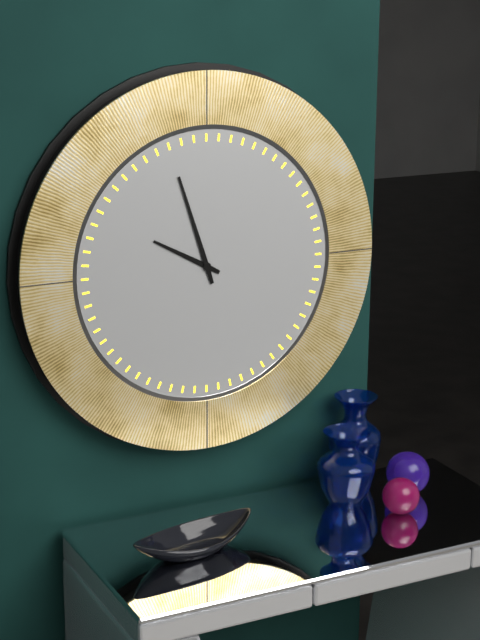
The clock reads h=9 m=57
